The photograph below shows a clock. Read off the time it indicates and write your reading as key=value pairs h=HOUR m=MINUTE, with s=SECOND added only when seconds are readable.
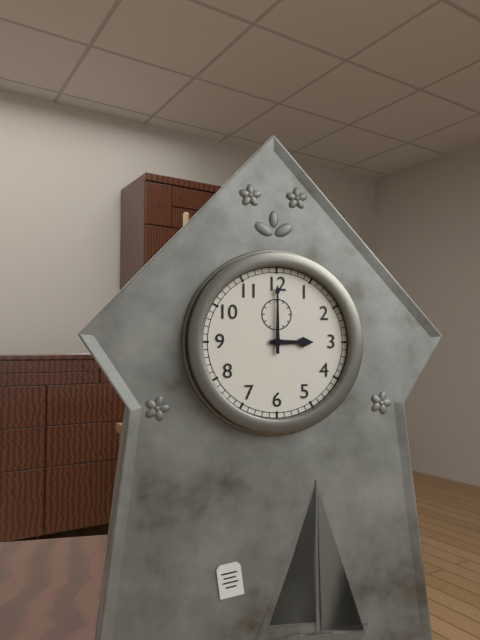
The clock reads h=3 m=0
